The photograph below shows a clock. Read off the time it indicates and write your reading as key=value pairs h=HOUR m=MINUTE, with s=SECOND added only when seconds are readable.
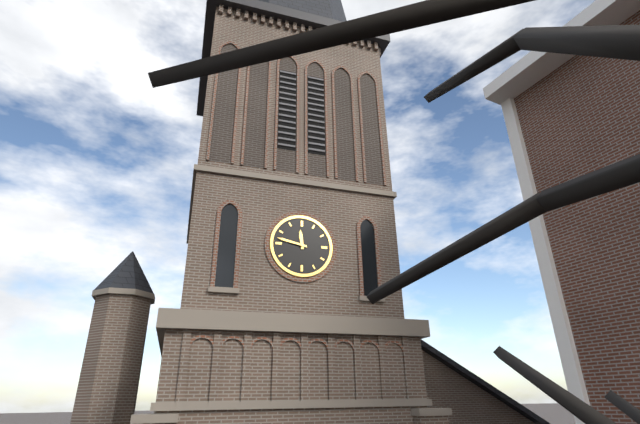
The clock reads h=11 m=47
